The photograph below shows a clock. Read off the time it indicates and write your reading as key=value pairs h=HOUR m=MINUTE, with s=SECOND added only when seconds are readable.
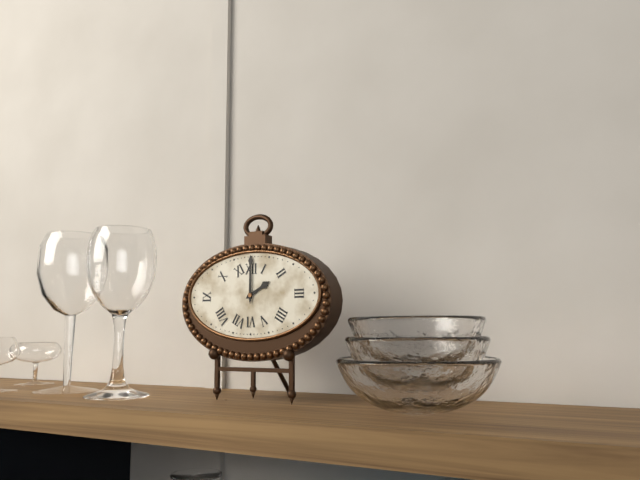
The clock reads h=2 m=0
